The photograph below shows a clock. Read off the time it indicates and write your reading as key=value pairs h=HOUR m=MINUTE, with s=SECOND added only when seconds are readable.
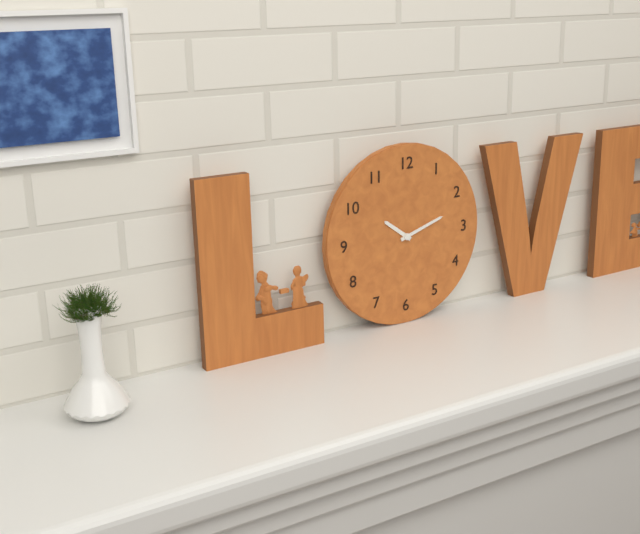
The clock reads h=10 m=12
